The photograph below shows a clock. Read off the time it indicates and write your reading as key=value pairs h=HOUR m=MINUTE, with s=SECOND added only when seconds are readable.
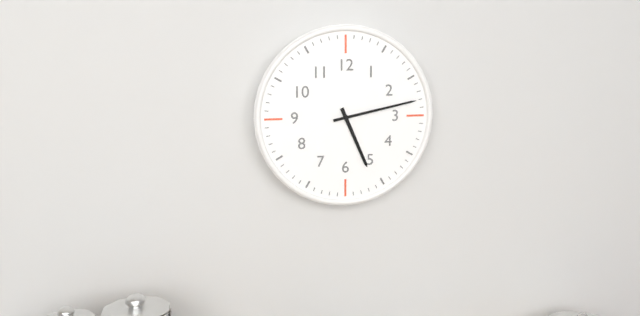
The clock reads h=5 m=13
